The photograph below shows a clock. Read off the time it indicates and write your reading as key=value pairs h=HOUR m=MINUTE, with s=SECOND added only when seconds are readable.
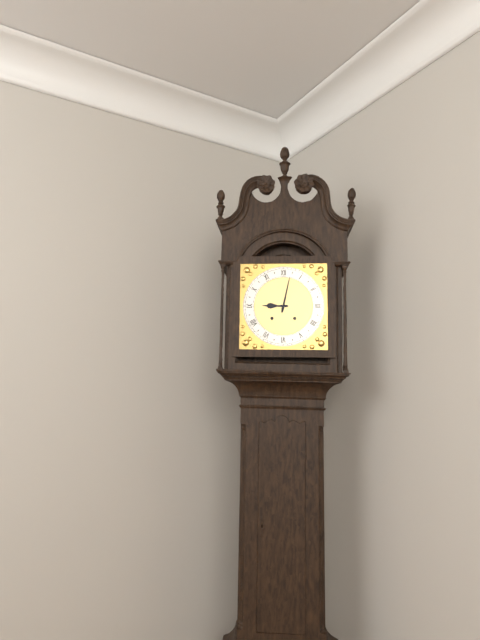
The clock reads h=9 m=2
